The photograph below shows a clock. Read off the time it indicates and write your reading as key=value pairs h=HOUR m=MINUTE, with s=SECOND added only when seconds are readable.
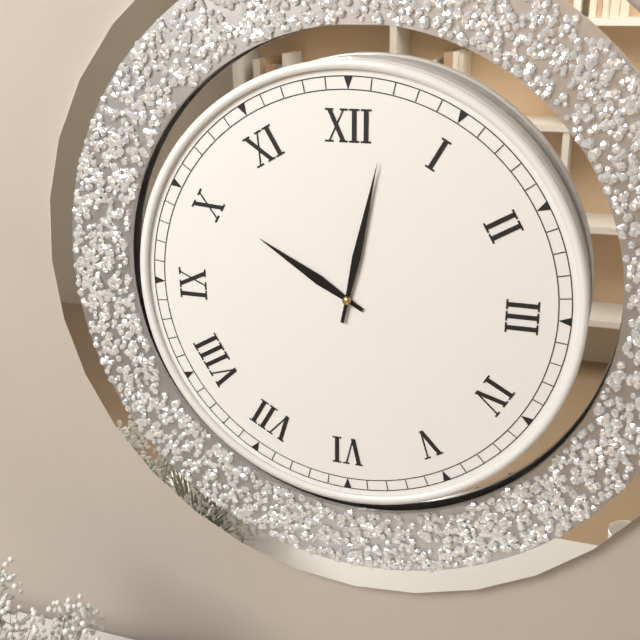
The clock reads h=10 m=2
